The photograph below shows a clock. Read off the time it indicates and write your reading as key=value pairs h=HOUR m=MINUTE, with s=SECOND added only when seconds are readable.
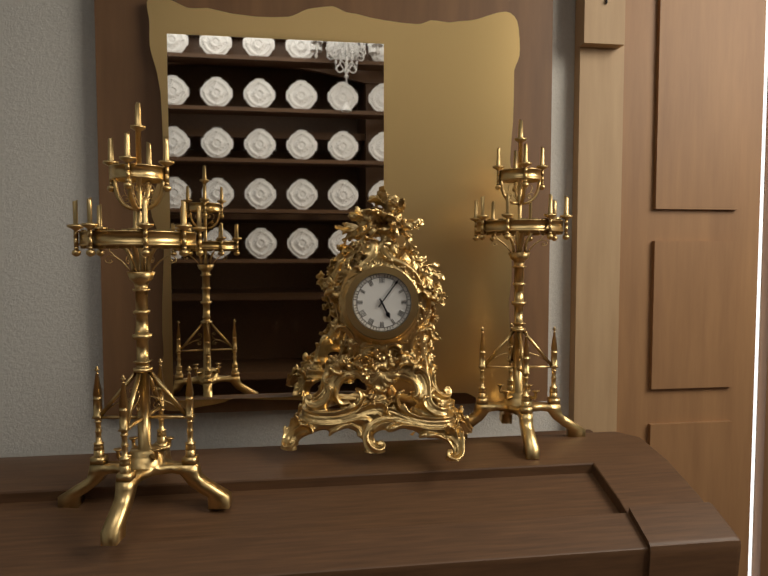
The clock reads h=5 m=6
